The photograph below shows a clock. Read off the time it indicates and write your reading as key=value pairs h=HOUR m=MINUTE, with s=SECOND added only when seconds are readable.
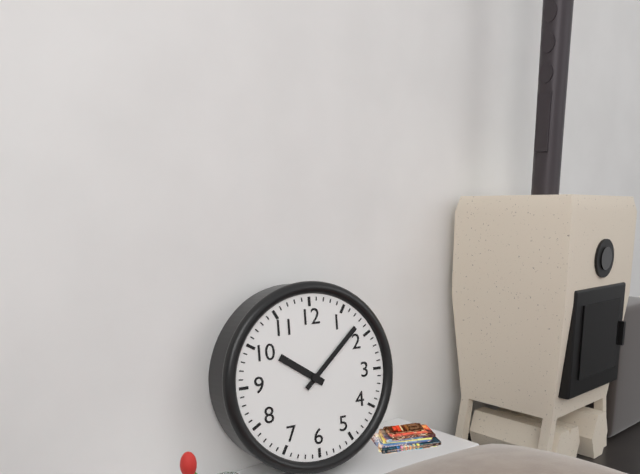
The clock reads h=10 m=8
